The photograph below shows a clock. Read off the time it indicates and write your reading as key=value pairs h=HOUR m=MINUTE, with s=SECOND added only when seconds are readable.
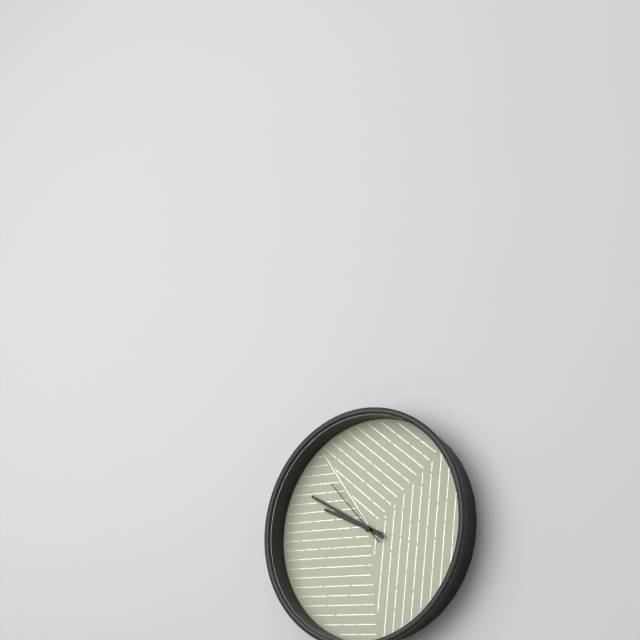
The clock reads h=9 m=50 s=53
